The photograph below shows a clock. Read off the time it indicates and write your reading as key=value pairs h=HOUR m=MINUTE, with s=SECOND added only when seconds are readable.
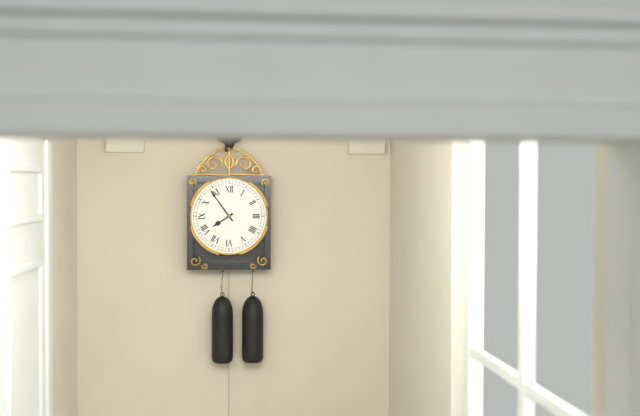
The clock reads h=7 m=54
